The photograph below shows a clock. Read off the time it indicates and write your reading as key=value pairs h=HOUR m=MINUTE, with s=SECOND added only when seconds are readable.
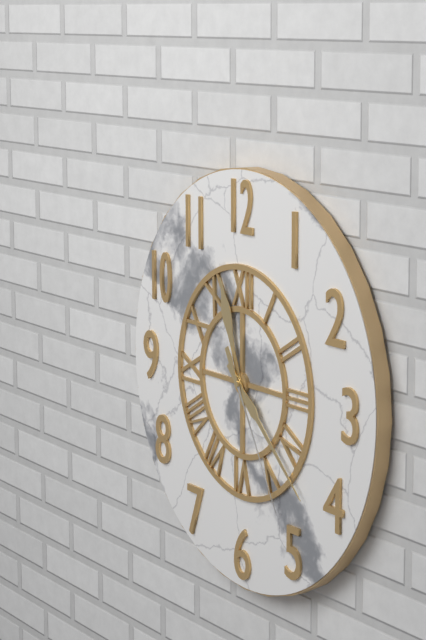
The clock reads h=11 m=22 s=25
